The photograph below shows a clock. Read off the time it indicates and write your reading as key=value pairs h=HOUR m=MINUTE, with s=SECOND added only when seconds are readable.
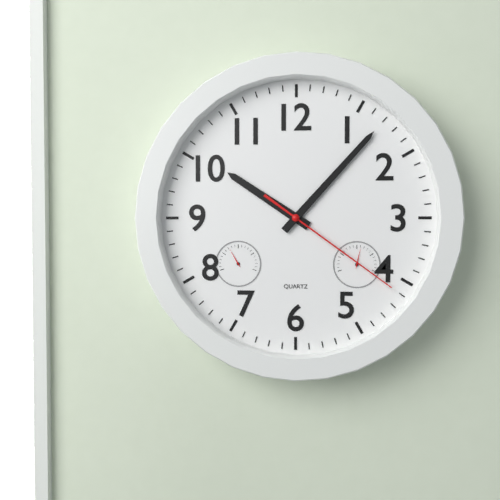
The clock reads h=10 m=7 s=21
